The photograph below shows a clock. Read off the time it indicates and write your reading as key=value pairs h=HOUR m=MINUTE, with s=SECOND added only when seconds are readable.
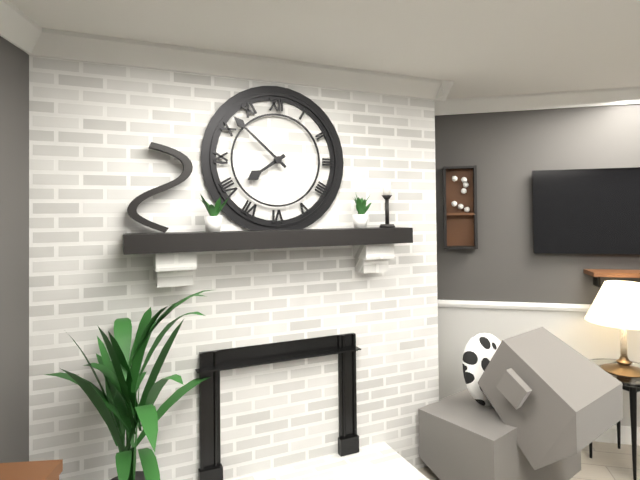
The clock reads h=7 m=52
